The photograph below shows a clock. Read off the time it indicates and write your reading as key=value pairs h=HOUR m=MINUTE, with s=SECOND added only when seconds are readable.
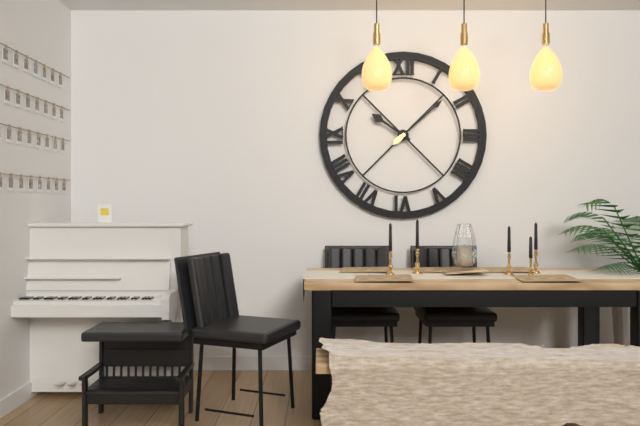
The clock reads h=10 m=8
